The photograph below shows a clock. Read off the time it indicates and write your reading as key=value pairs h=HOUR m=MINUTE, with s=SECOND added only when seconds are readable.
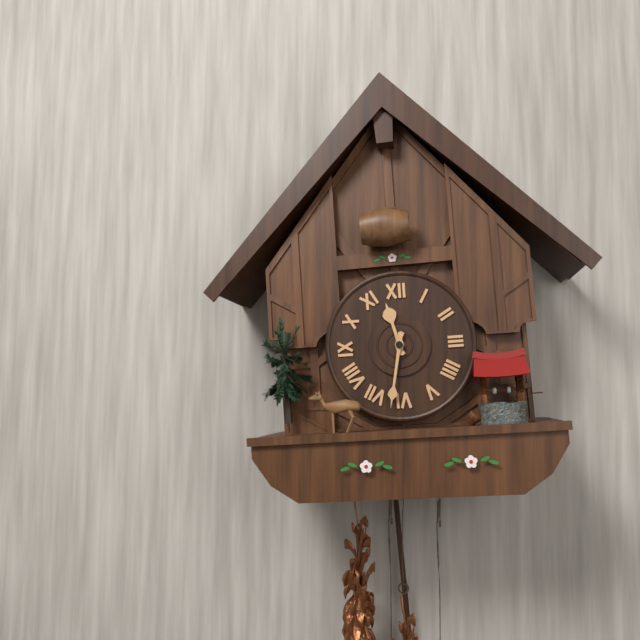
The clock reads h=11 m=32
